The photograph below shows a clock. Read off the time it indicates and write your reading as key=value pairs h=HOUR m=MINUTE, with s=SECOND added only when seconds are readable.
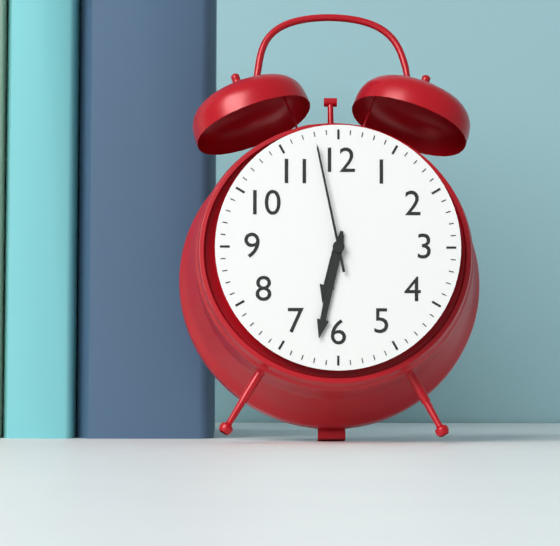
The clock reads h=6 m=32 s=58
